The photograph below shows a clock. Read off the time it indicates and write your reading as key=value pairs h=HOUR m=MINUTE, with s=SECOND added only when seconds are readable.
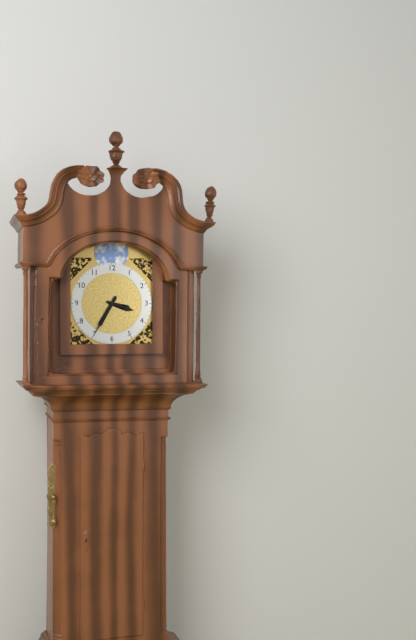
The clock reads h=3 m=35
